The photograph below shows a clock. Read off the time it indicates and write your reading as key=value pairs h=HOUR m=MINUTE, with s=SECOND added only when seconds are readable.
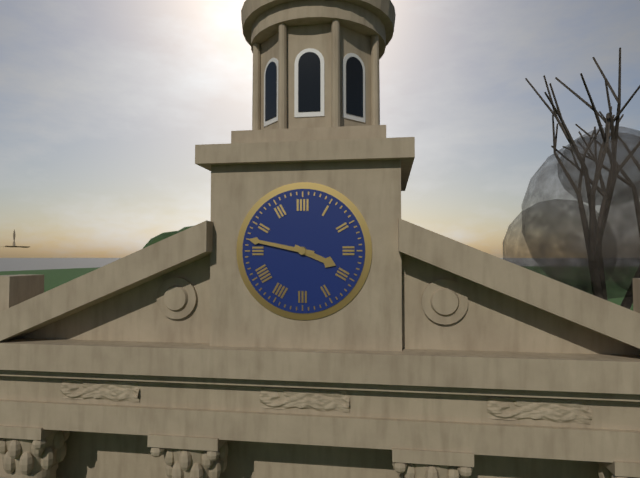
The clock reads h=3 m=47
